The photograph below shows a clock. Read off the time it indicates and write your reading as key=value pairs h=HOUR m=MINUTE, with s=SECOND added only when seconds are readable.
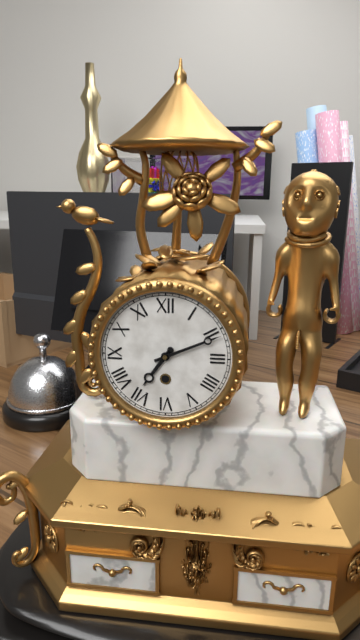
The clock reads h=7 m=11
